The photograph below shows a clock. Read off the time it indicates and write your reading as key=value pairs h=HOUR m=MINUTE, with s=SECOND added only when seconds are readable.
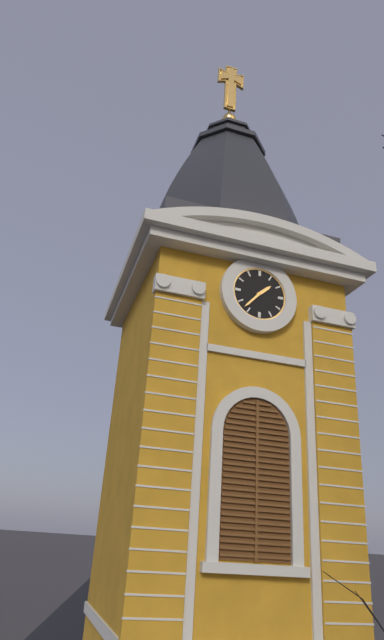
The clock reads h=1 m=37
